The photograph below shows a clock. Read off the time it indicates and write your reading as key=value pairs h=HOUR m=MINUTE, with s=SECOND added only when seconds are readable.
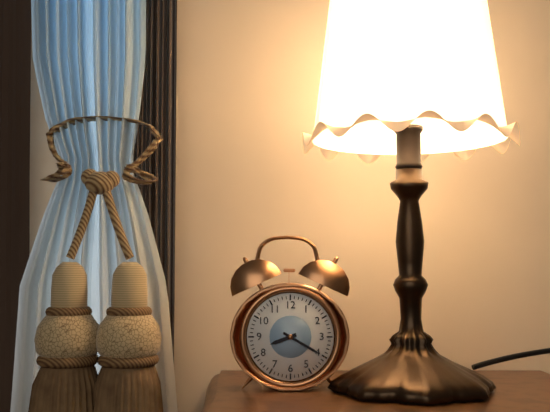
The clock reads h=8 m=20
